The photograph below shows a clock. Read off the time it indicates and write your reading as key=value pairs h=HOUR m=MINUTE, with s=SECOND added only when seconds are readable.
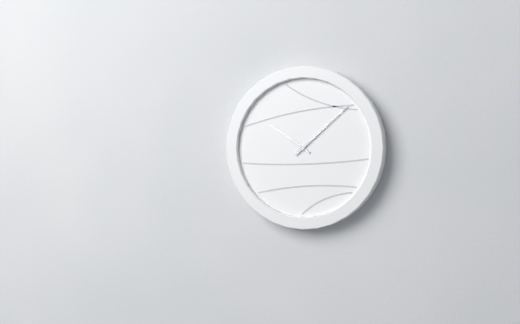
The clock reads h=10 m=8
